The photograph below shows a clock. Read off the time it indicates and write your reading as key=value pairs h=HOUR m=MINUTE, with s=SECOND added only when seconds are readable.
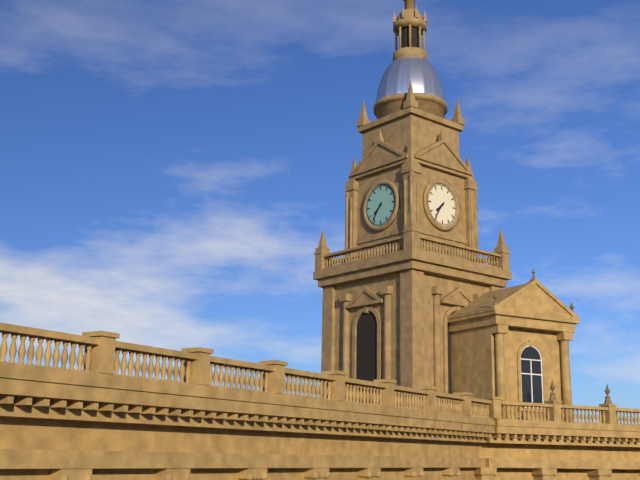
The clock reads h=7 m=36
